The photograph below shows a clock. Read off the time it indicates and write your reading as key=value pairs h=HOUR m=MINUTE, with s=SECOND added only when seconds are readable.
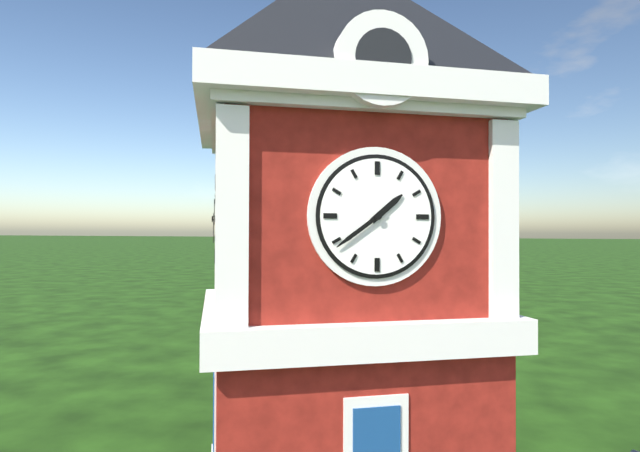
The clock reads h=1 m=39
